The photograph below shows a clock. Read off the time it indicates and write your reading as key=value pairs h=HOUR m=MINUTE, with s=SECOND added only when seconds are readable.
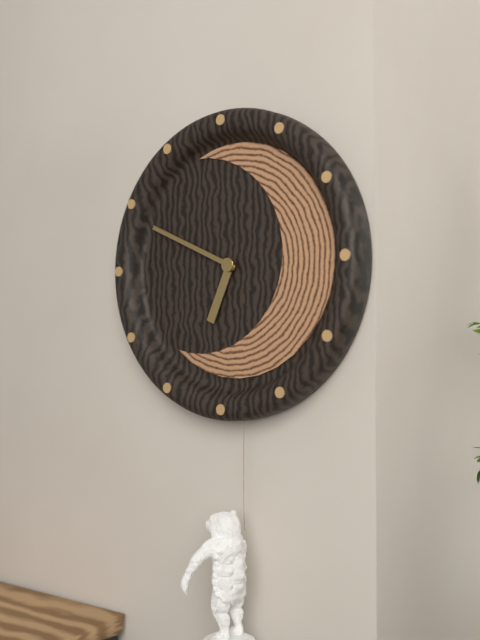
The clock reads h=6 m=49
